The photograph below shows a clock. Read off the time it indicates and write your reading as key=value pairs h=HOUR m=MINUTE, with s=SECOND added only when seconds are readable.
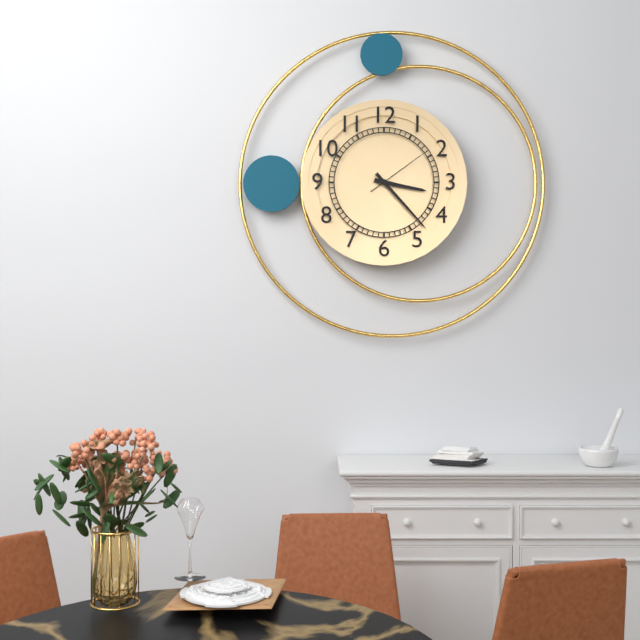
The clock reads h=3 m=23 s=9
